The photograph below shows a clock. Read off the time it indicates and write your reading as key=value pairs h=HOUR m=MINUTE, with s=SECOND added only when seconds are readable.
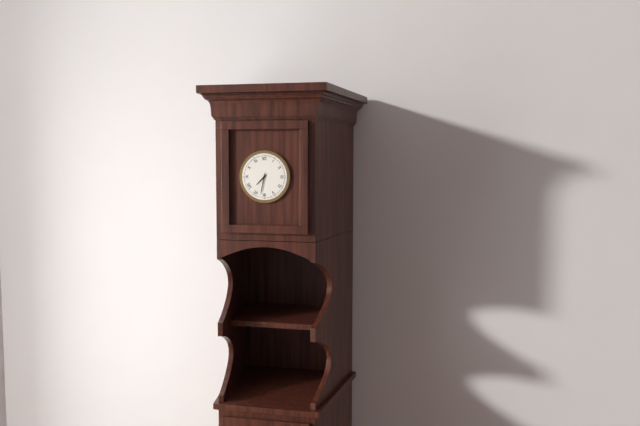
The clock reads h=7 m=32
